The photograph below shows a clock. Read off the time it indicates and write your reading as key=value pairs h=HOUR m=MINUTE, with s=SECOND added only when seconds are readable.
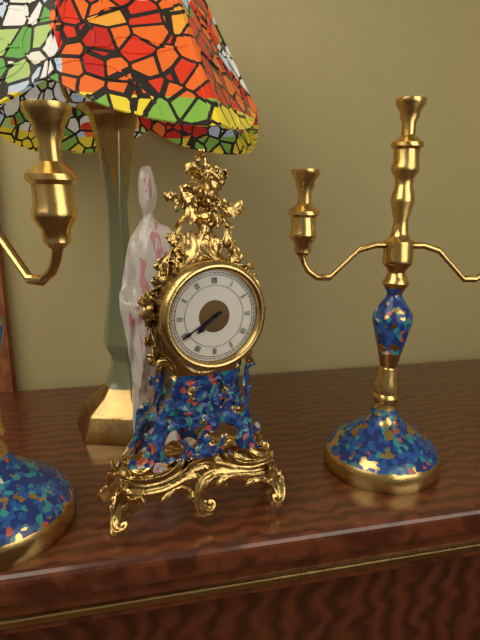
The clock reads h=7 m=40
